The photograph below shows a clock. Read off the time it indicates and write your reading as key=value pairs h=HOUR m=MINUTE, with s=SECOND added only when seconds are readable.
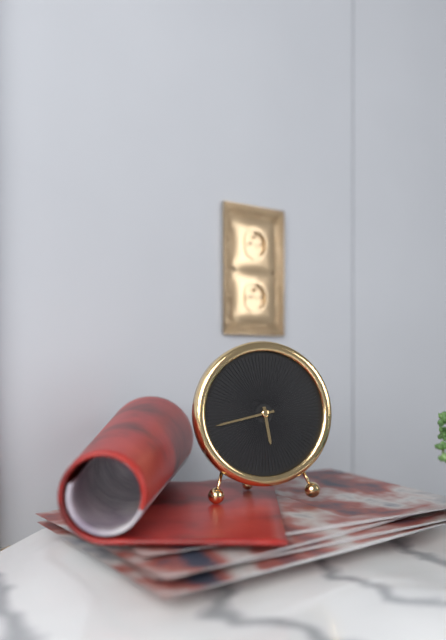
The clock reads h=5 m=43
